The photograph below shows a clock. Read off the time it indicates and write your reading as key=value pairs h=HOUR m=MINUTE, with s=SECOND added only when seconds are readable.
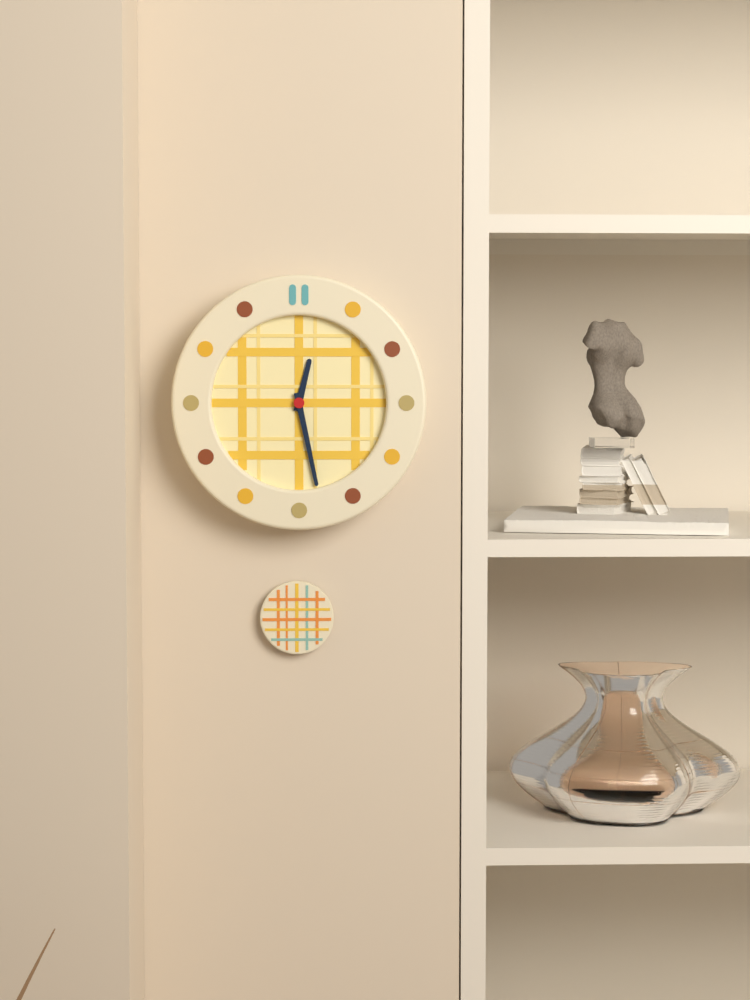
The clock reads h=12 m=28
